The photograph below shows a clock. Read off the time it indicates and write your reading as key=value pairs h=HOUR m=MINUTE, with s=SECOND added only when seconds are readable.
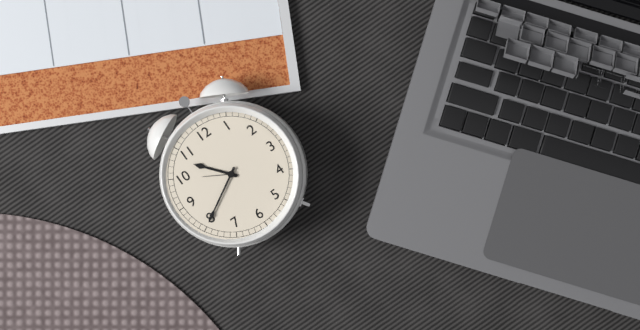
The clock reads h=10 m=40
